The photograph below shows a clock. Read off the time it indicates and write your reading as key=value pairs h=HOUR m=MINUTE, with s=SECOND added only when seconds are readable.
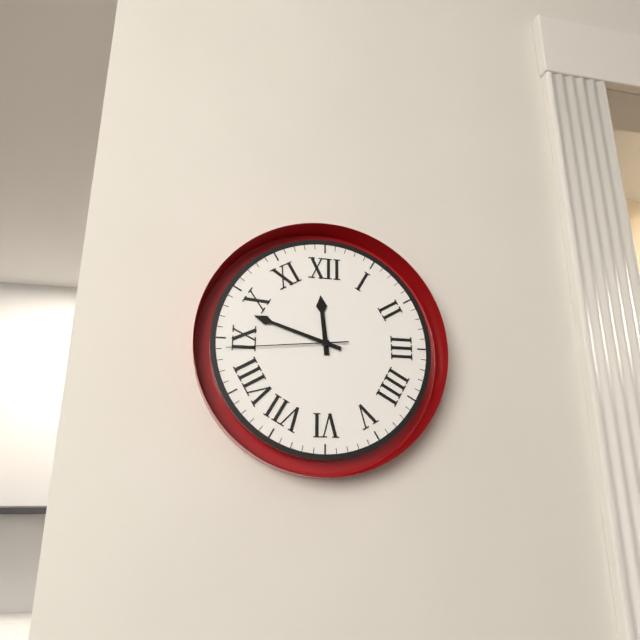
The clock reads h=11 m=48 s=44
